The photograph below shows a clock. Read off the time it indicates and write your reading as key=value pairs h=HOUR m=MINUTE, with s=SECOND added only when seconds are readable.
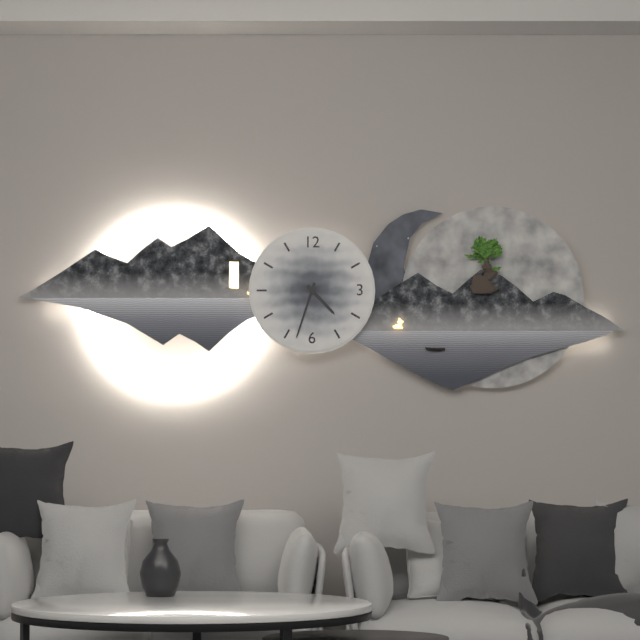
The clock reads h=4 m=33
